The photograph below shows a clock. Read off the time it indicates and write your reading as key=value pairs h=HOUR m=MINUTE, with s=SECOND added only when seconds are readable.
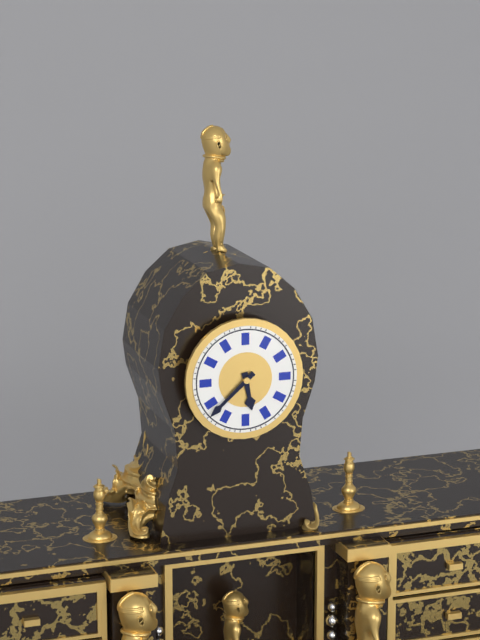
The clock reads h=5 m=38
